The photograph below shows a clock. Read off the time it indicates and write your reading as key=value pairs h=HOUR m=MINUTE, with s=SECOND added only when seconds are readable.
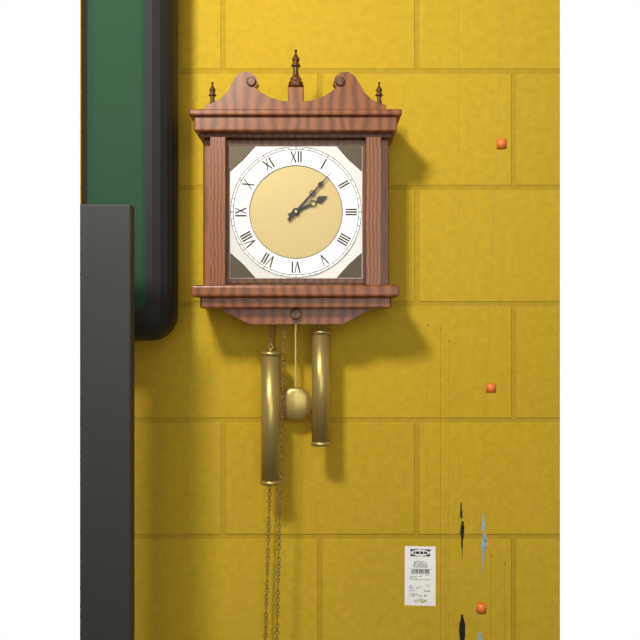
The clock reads h=2 m=7
